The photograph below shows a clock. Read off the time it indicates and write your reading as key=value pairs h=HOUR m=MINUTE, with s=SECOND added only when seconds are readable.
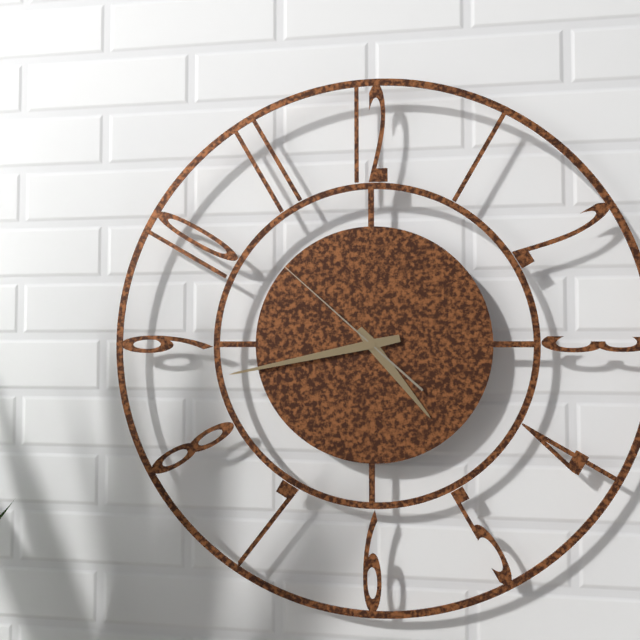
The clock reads h=4 m=43 s=52
